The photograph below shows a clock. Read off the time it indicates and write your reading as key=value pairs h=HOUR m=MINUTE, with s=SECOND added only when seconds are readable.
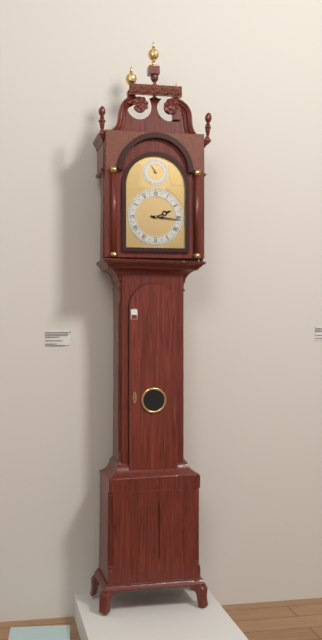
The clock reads h=2 m=16
